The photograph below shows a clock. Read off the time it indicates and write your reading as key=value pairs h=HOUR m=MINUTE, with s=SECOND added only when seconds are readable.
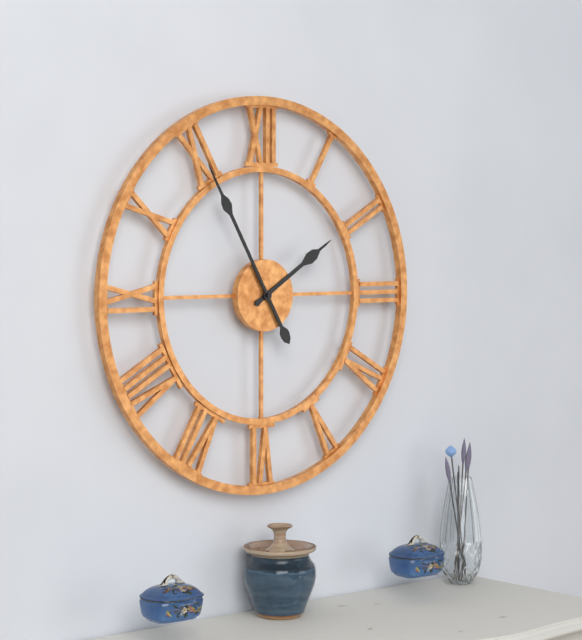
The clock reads h=1 m=55
